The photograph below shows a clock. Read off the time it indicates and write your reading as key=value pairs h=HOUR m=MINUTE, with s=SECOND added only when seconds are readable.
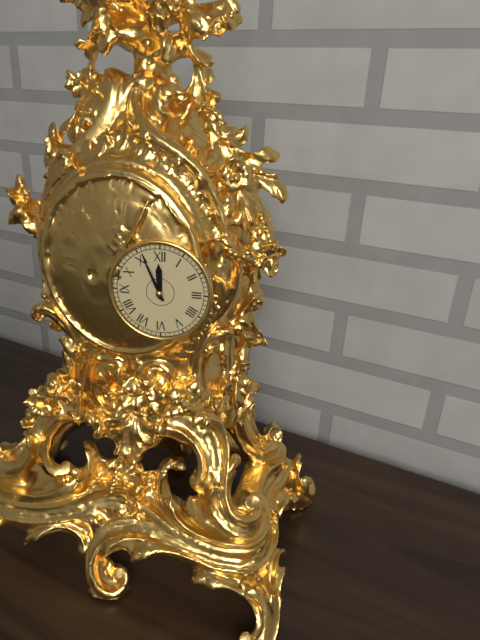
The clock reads h=11 m=56
